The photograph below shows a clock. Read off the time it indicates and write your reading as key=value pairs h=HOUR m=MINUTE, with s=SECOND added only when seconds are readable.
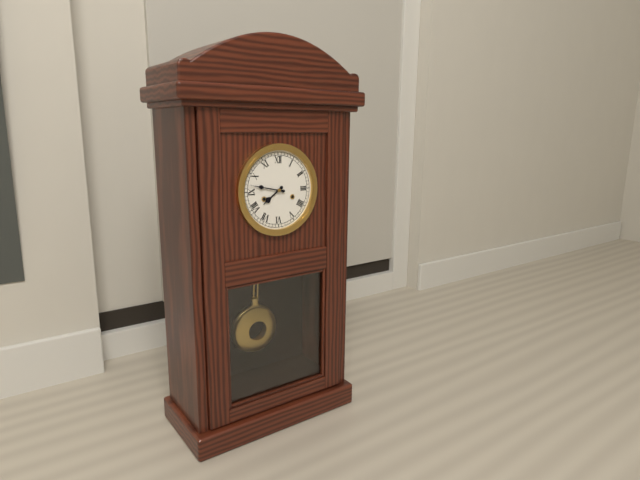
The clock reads h=7 m=47
